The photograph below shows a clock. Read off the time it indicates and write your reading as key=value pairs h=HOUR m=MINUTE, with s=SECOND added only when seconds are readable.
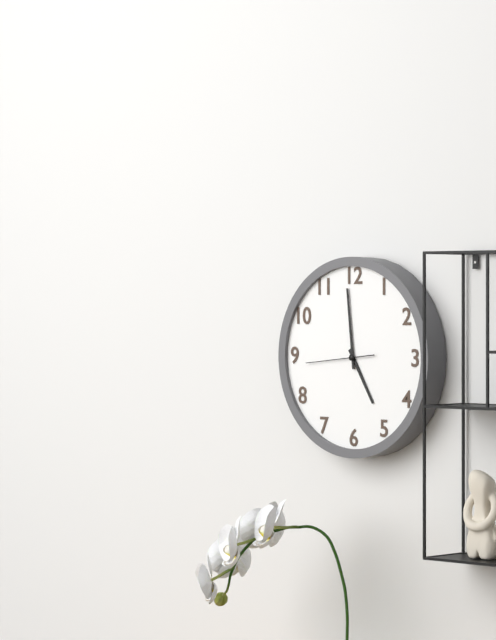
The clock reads h=4 m=59 s=44
